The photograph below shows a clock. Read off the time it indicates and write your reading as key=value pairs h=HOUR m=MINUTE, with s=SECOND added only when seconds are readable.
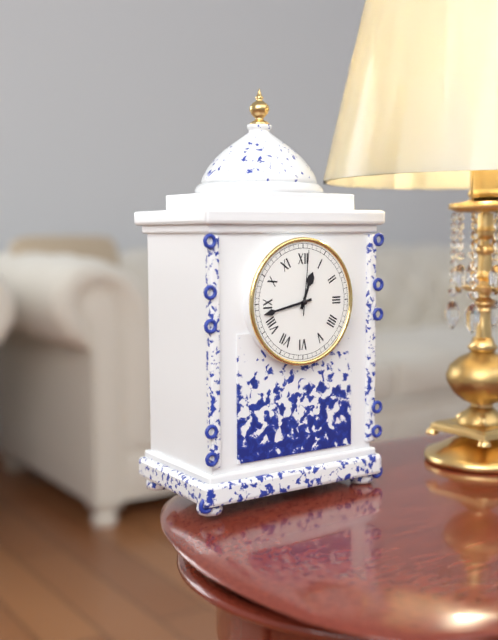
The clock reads h=12 m=43 s=1
